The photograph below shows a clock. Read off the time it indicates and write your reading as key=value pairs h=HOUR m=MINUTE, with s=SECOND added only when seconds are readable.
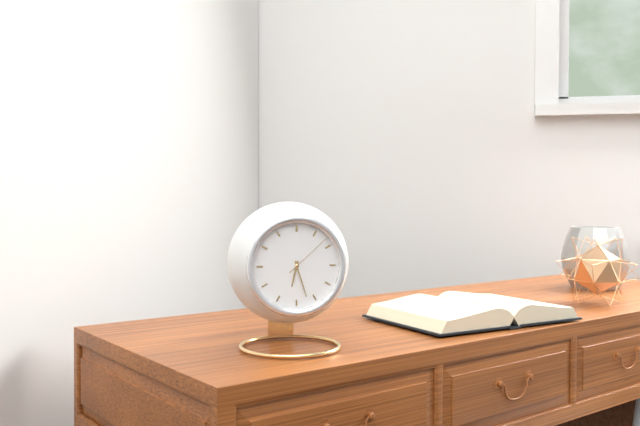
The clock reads h=6 m=27 s=8
